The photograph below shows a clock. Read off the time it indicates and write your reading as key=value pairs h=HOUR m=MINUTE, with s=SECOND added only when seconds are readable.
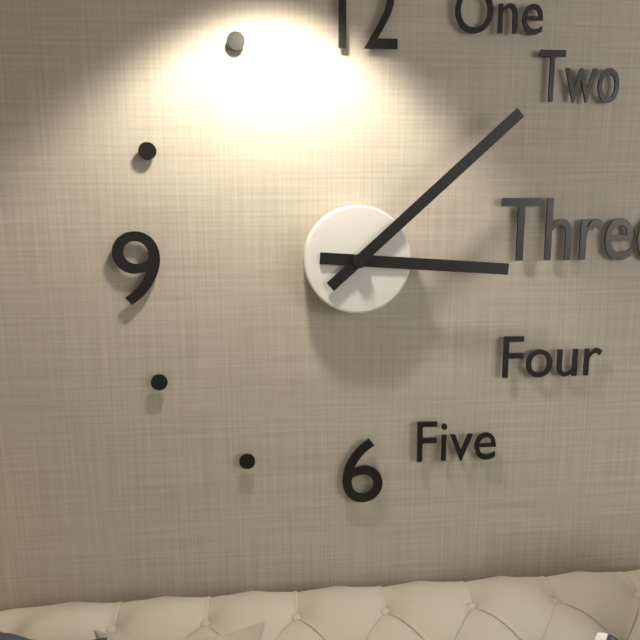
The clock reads h=3 m=8
